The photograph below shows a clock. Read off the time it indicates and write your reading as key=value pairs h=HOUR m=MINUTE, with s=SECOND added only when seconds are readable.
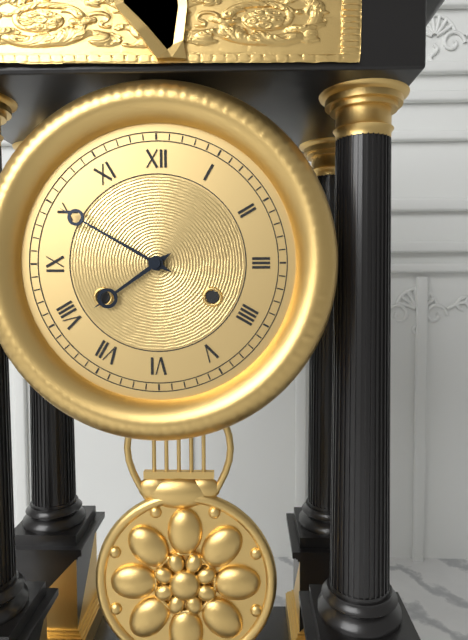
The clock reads h=7 m=50
